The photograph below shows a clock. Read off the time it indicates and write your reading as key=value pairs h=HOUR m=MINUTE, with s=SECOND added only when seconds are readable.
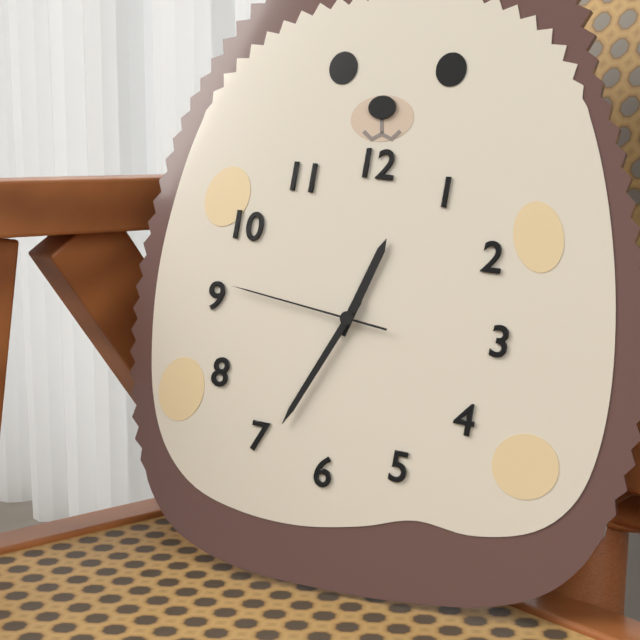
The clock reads h=12 m=34 s=46
